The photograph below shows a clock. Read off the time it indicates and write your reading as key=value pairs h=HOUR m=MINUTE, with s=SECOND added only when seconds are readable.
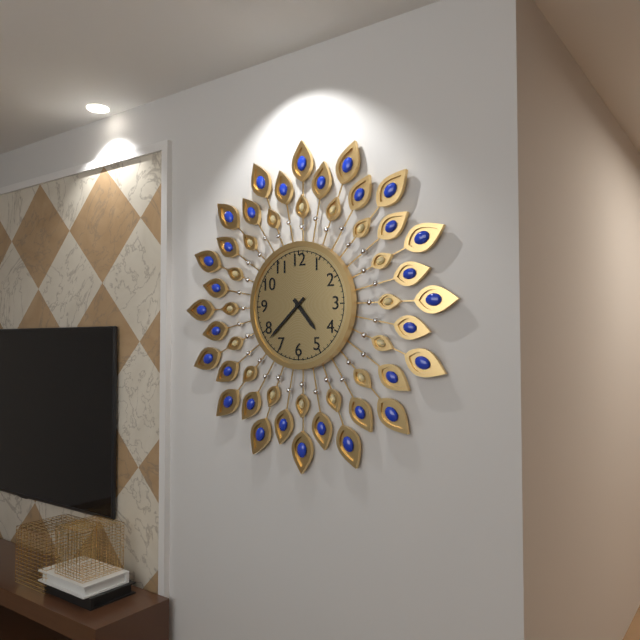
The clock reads h=4 m=38
